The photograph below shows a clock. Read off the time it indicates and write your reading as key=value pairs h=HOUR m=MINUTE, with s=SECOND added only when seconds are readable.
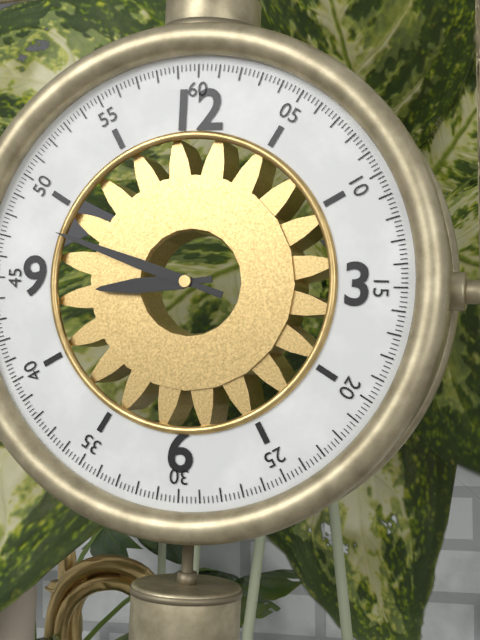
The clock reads h=8 m=48
